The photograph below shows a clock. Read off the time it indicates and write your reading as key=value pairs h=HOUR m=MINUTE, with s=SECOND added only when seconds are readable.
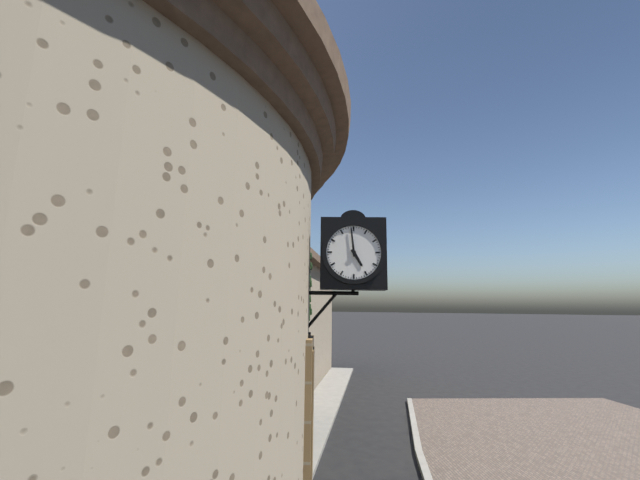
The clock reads h=4 m=59
